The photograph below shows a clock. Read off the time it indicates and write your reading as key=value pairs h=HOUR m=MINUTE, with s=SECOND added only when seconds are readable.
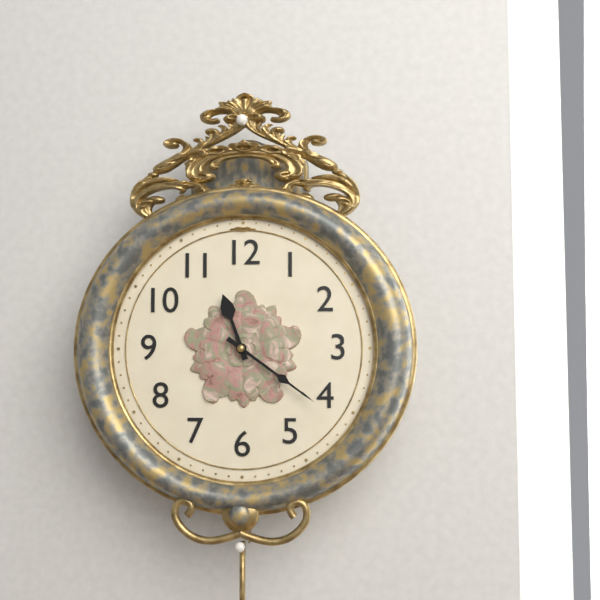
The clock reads h=11 m=21
